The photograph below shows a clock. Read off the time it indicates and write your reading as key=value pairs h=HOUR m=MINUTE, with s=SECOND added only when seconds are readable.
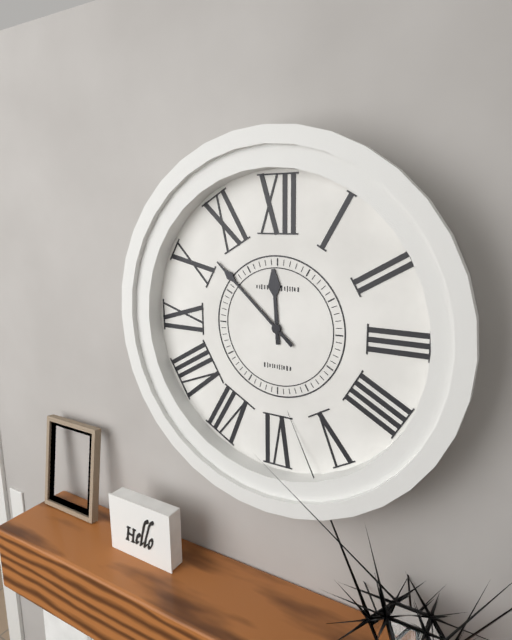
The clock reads h=11 m=52
